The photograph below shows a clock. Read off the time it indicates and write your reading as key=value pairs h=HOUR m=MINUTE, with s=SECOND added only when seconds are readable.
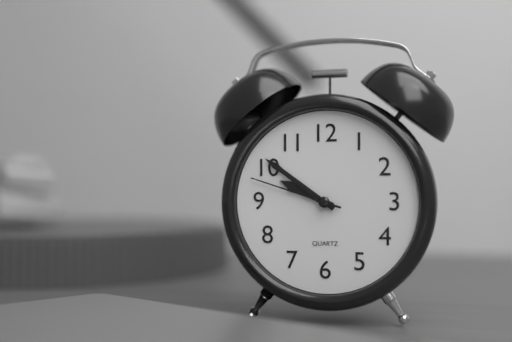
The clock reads h=9 m=51 s=48
